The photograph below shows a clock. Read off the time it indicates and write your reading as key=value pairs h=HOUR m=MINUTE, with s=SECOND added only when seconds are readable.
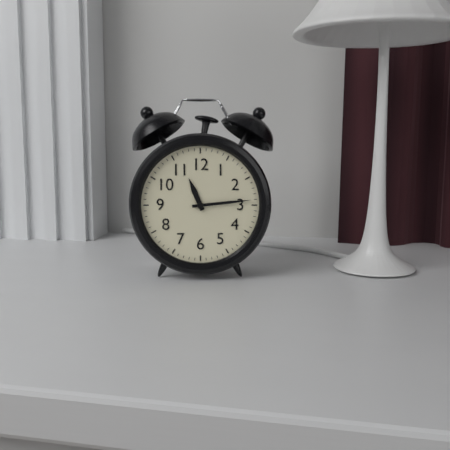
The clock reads h=11 m=14
